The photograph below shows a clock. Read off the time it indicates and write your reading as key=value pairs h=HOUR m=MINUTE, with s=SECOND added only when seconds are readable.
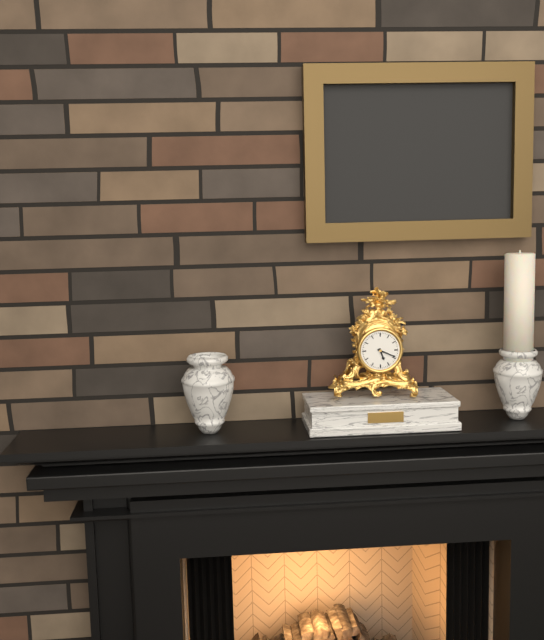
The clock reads h=5 m=19
